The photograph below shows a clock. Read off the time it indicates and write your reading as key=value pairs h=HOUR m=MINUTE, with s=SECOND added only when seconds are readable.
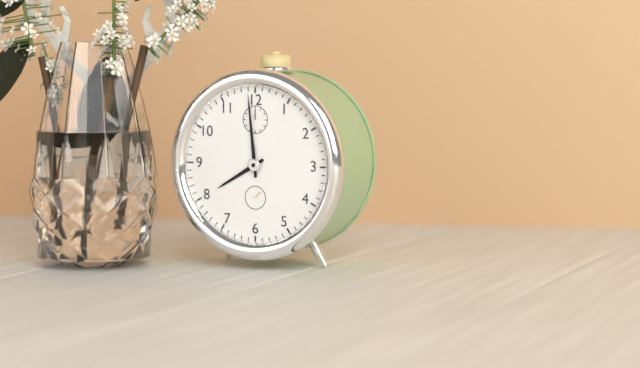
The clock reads h=7 m=59
